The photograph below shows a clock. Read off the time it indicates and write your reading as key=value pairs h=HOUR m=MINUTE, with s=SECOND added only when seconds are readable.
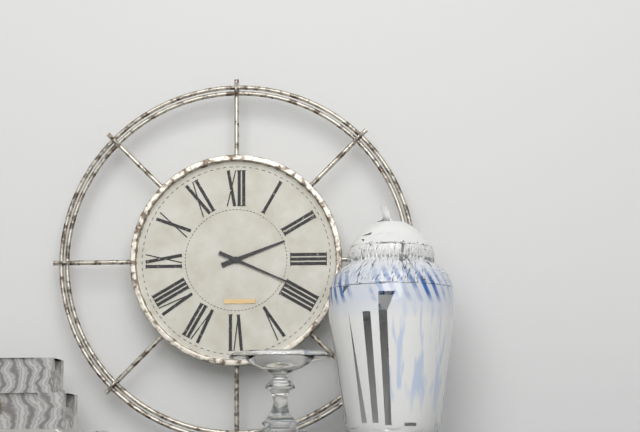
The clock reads h=2 m=19
